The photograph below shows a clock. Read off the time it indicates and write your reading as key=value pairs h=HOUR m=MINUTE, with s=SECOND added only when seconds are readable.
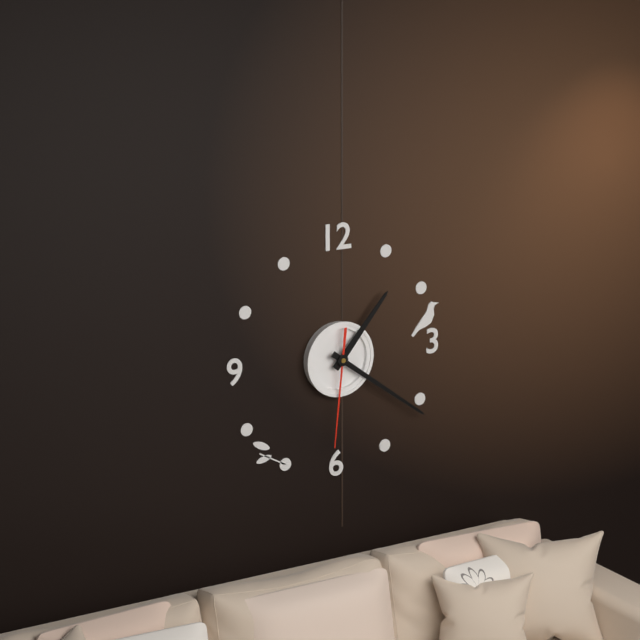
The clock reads h=1 m=21 s=31
